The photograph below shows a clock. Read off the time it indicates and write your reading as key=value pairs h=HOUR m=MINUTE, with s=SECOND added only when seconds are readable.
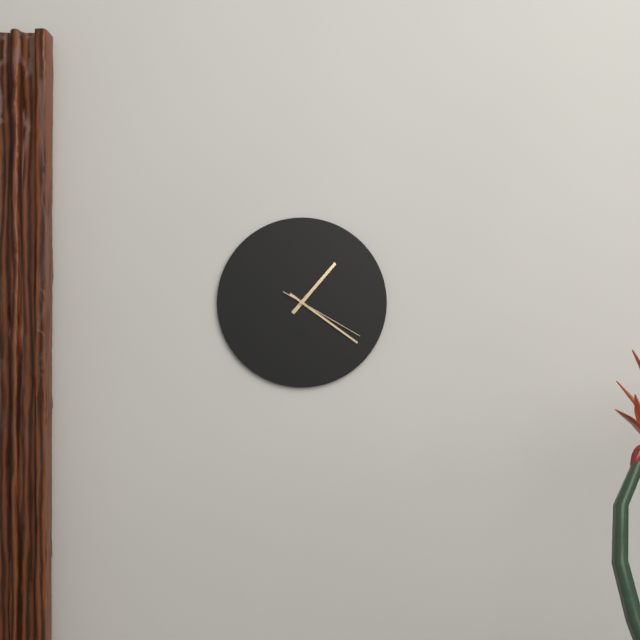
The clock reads h=1 m=21 s=20
